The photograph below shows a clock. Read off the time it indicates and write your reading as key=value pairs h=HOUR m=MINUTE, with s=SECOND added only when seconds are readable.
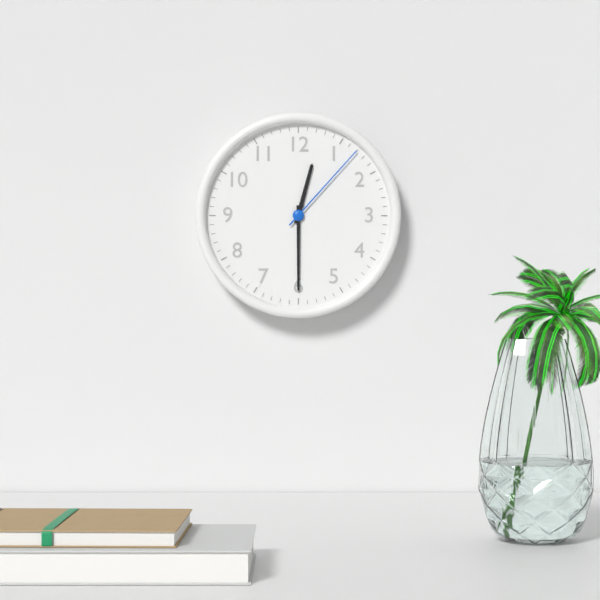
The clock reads h=12 m=30 s=7
